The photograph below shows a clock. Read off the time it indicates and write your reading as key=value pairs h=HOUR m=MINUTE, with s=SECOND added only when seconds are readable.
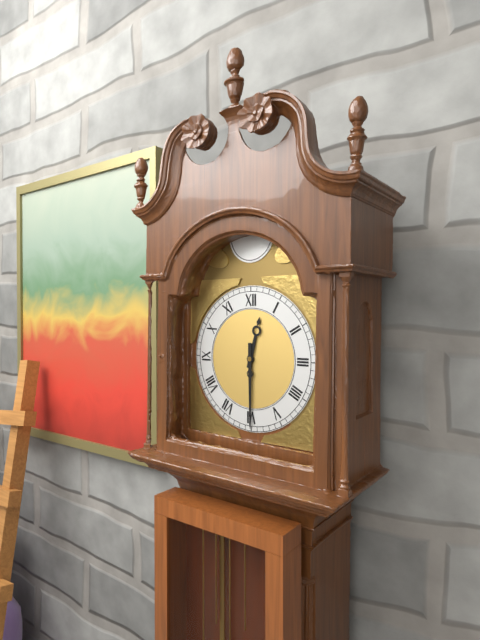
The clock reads h=12 m=30
